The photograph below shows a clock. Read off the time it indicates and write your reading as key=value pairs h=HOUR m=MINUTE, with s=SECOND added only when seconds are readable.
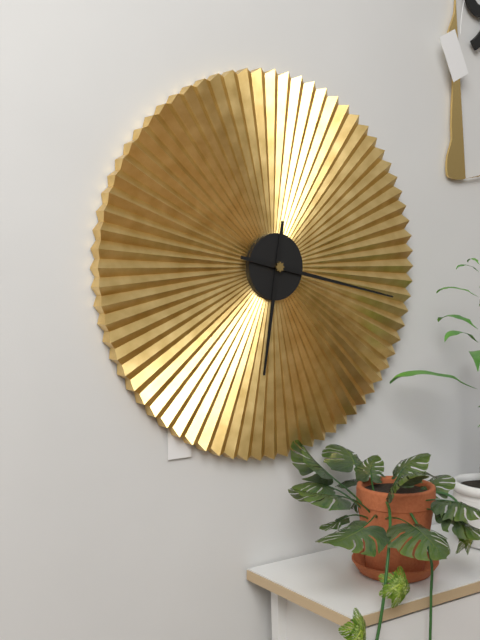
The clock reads h=6 m=17
